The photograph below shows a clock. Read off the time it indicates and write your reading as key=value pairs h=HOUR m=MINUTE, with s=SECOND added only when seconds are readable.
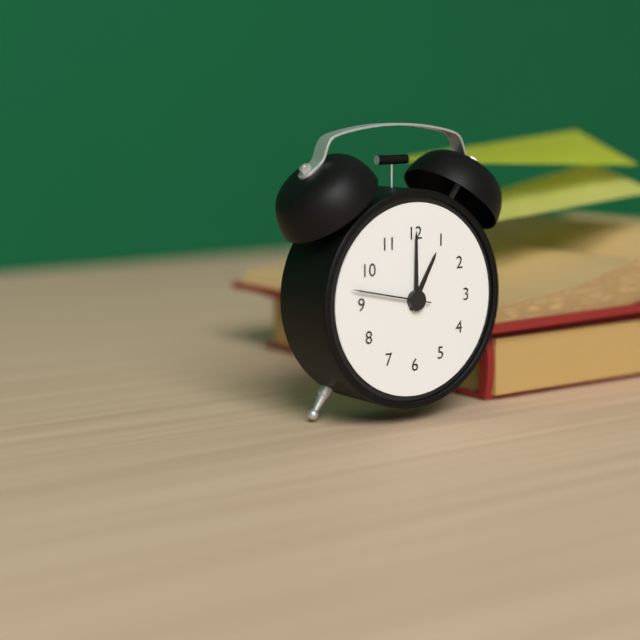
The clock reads h=1 m=0 s=47
